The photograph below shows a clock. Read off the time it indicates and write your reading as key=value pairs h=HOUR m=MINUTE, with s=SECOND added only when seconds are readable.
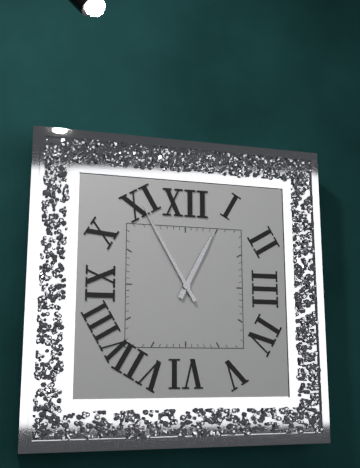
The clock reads h=12 m=55
